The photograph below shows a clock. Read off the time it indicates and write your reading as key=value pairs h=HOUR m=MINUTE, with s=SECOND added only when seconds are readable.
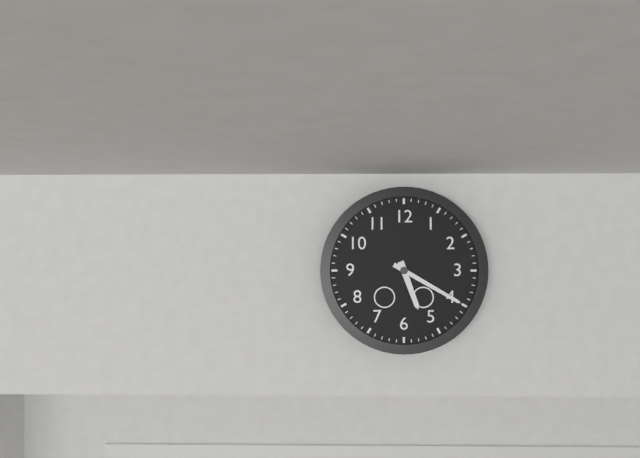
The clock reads h=5 m=20
